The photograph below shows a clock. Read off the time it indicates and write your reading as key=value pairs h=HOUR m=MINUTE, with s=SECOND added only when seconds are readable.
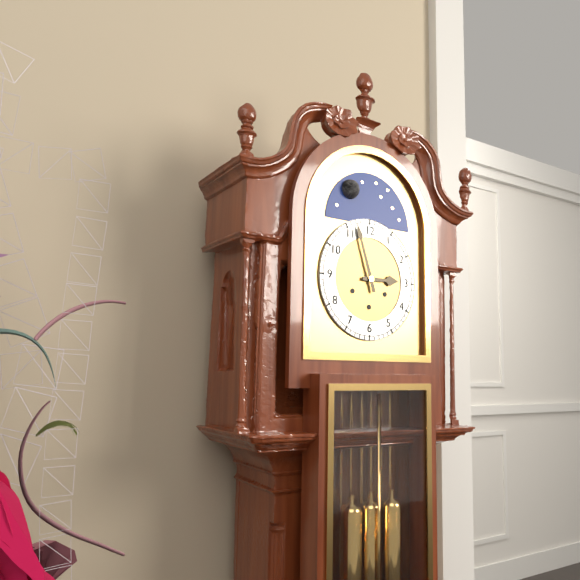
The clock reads h=2 m=57
